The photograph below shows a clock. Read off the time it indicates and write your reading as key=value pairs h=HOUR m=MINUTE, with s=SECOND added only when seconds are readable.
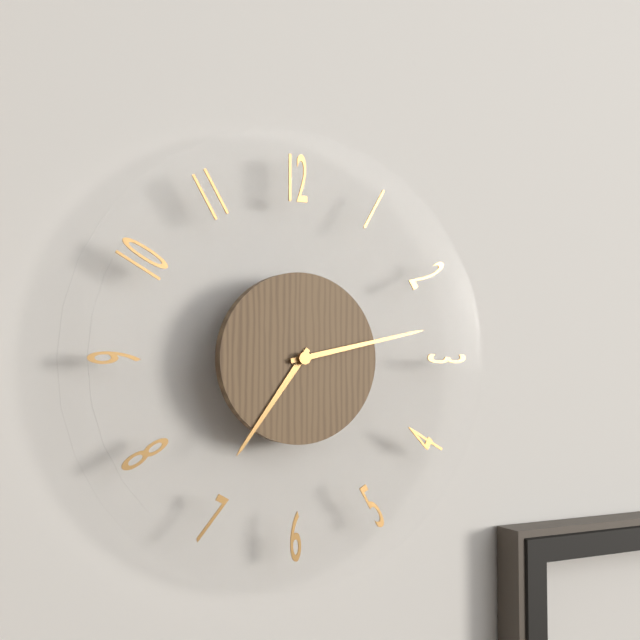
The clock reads h=7 m=13
